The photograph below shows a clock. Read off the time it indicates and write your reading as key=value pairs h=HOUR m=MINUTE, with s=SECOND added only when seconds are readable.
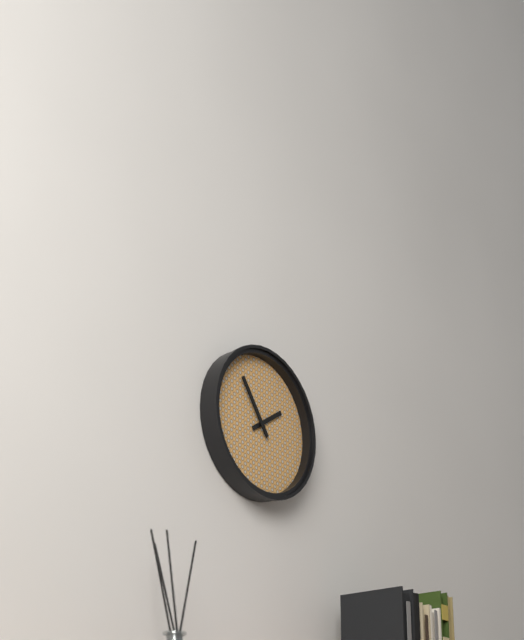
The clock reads h=1 m=54
